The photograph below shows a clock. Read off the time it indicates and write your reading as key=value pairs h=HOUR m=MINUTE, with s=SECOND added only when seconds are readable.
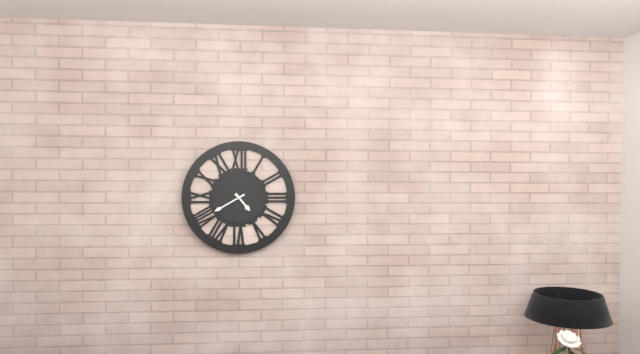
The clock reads h=4 m=40
